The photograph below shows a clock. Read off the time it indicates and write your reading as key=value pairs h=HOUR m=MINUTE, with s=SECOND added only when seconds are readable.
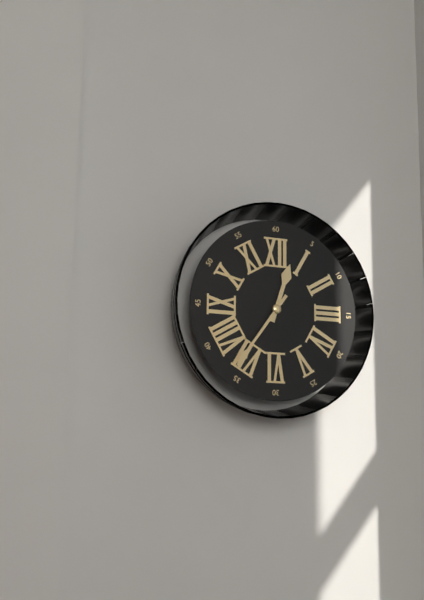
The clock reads h=12 m=36
